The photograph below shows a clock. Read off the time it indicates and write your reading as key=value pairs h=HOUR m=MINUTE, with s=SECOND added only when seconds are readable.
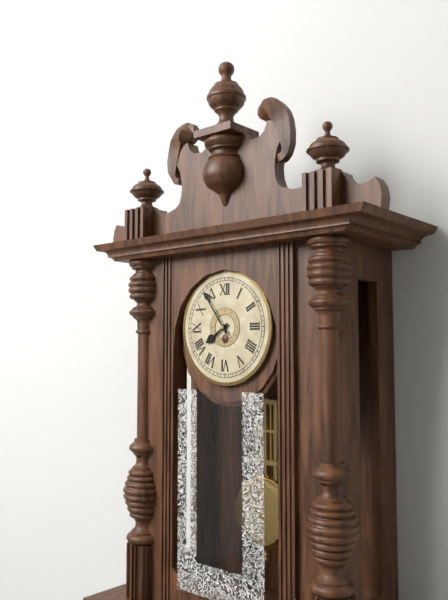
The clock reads h=7 m=54
